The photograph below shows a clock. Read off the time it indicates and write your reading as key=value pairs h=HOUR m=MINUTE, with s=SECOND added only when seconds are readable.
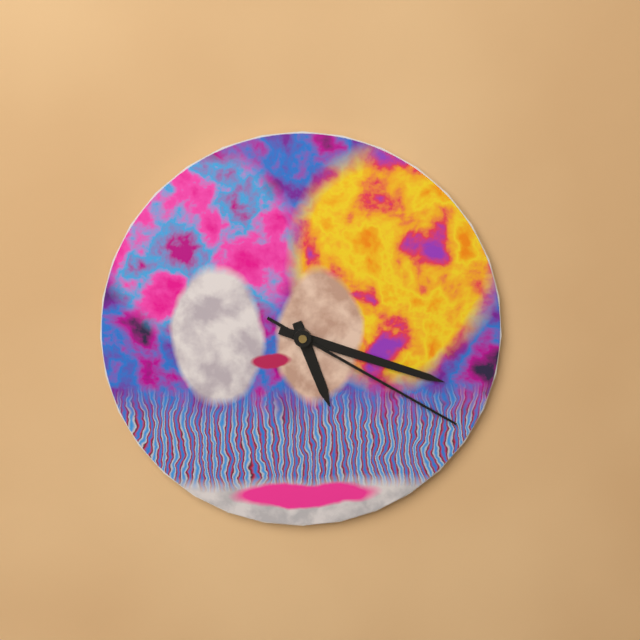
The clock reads h=5 m=18 s=20
